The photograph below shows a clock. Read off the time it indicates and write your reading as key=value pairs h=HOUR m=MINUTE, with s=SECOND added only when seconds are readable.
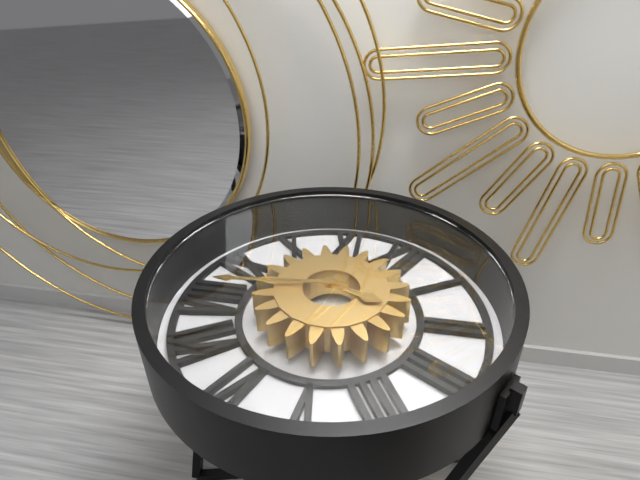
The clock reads h=2 m=39
